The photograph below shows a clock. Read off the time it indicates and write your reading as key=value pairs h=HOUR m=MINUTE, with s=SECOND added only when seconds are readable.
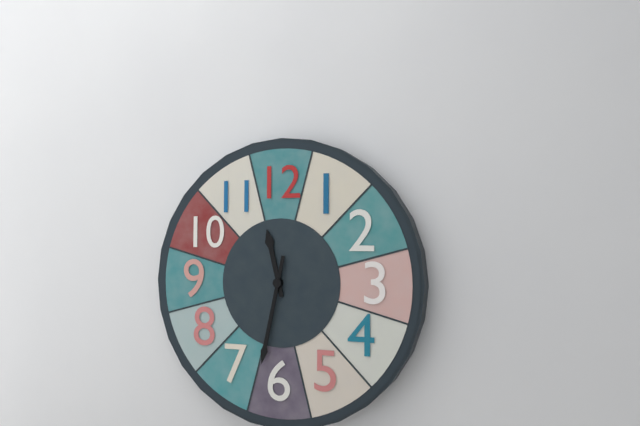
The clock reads h=11 m=32
